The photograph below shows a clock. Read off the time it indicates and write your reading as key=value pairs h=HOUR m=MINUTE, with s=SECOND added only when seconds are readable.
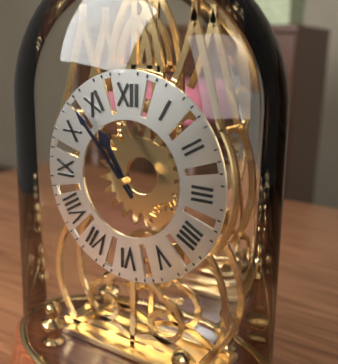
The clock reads h=10 m=53
